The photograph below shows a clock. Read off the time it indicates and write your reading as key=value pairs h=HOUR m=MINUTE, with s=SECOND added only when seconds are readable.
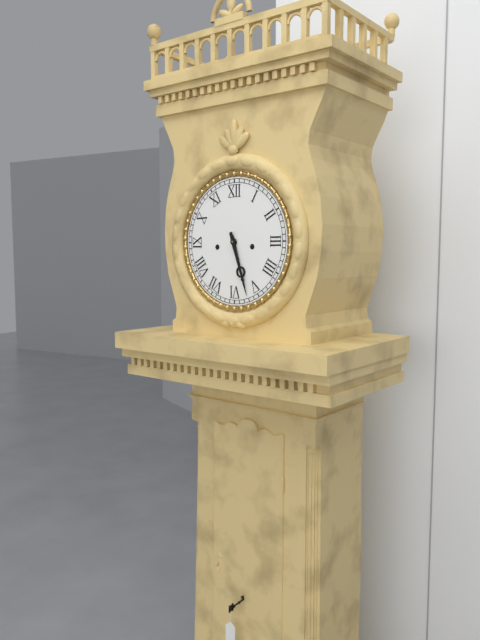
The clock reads h=5 m=27
